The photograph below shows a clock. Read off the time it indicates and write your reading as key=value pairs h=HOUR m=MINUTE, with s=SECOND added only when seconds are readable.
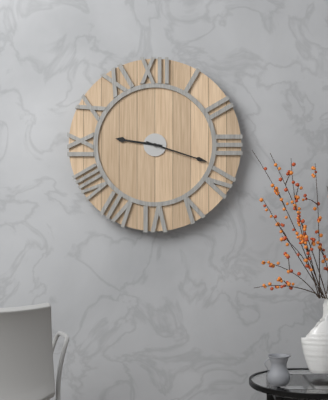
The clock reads h=9 m=18
